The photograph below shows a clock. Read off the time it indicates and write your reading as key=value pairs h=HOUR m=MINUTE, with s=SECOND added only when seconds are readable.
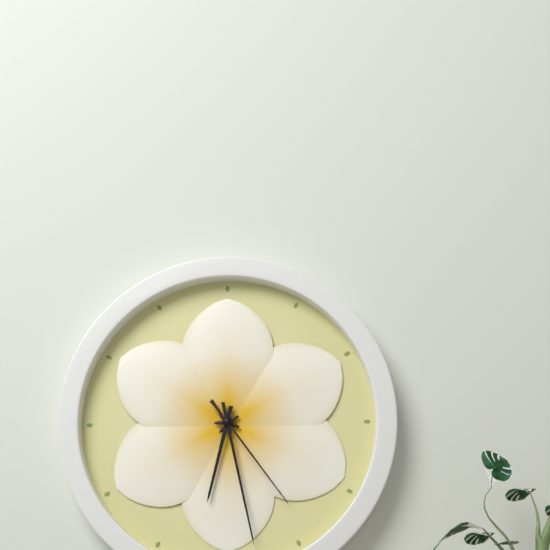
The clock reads h=6 m=28 s=24
